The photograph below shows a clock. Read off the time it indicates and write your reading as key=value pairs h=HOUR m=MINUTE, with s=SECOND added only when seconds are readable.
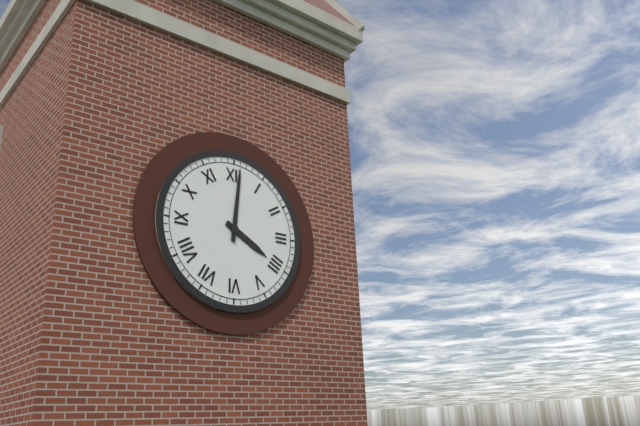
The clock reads h=4 m=1
